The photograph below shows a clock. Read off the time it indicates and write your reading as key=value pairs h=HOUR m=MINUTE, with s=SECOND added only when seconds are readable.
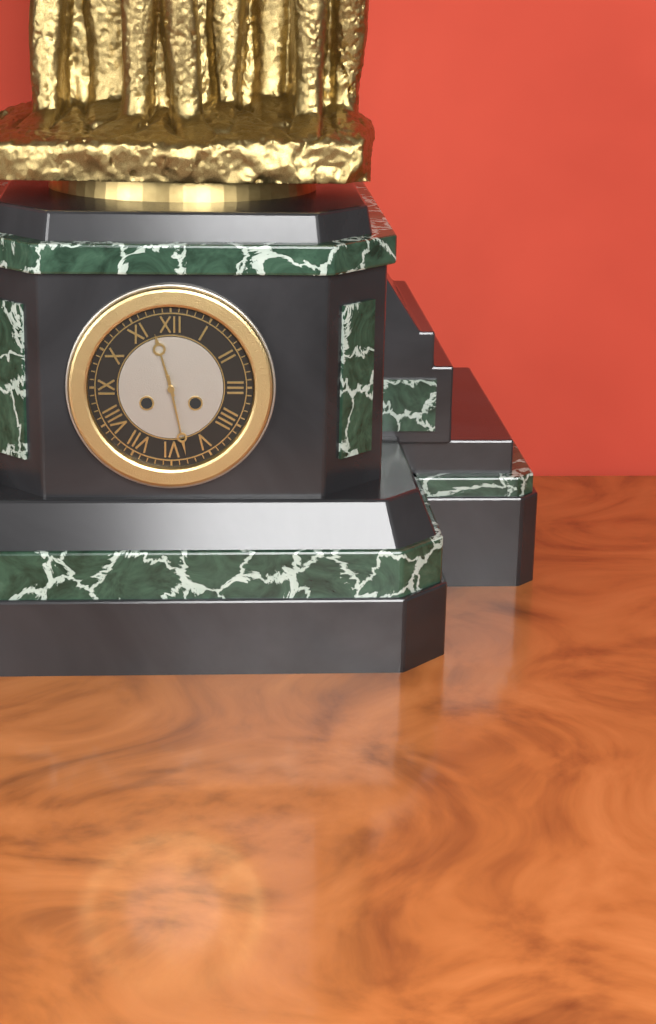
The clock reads h=11 m=28
